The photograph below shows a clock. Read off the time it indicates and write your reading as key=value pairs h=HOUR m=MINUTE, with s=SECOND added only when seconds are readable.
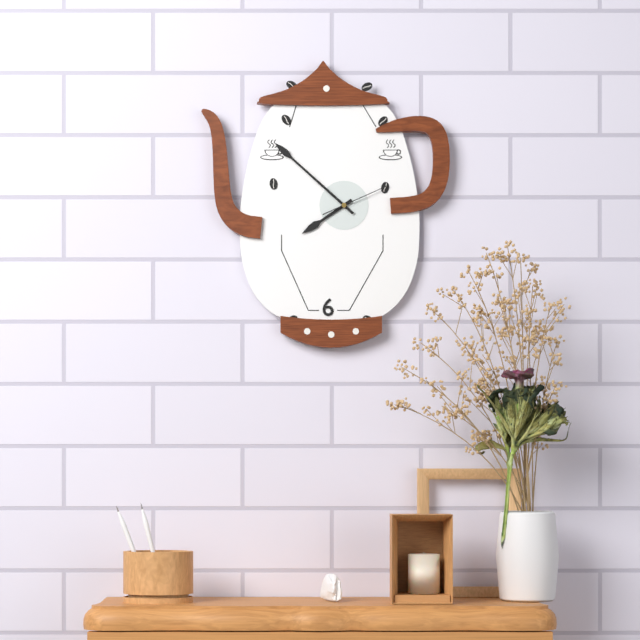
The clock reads h=7 m=52 s=11
